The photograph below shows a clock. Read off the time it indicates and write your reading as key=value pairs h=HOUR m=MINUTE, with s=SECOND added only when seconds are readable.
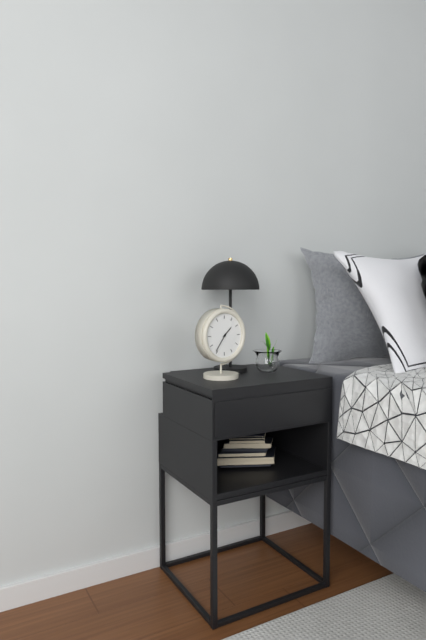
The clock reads h=1 m=36
